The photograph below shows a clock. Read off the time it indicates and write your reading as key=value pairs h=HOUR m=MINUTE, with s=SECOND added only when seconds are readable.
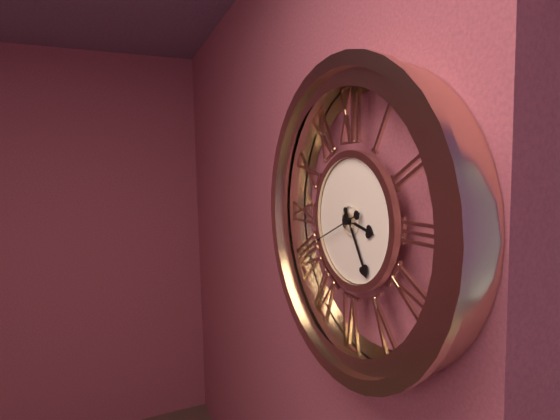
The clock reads h=3 m=25 s=41
